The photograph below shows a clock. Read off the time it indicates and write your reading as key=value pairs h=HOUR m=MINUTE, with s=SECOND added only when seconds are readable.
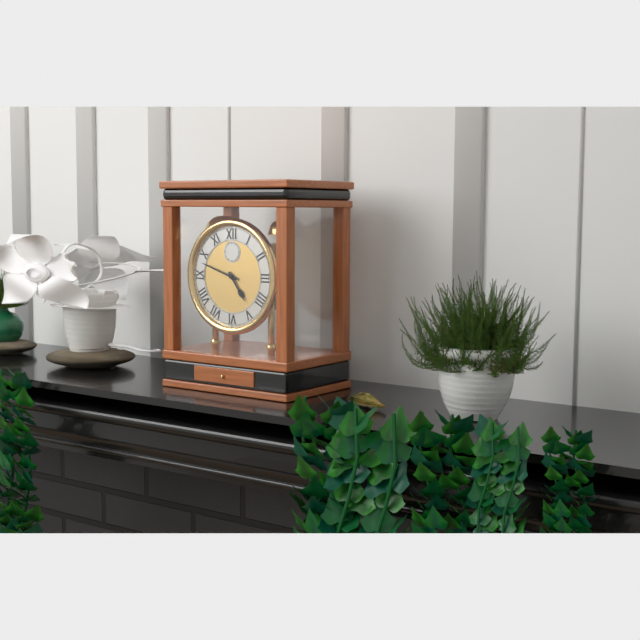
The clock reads h=4 m=48
